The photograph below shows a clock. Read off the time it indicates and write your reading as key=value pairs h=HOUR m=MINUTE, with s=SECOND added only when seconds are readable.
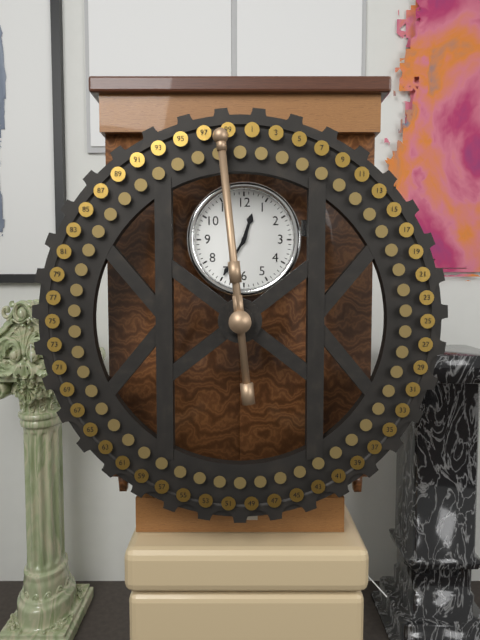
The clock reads h=12 m=35
